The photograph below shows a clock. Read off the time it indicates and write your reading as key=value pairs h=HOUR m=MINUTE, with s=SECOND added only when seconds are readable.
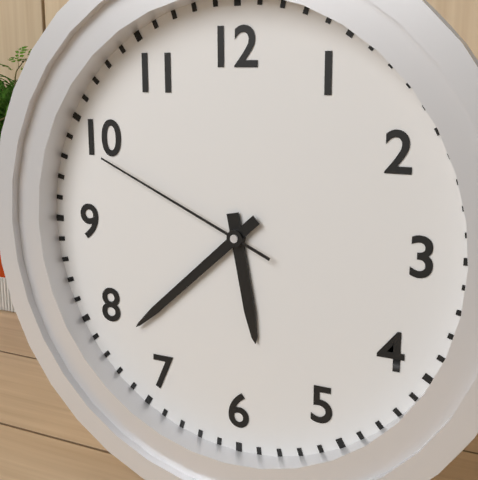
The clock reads h=5 m=38 s=49
